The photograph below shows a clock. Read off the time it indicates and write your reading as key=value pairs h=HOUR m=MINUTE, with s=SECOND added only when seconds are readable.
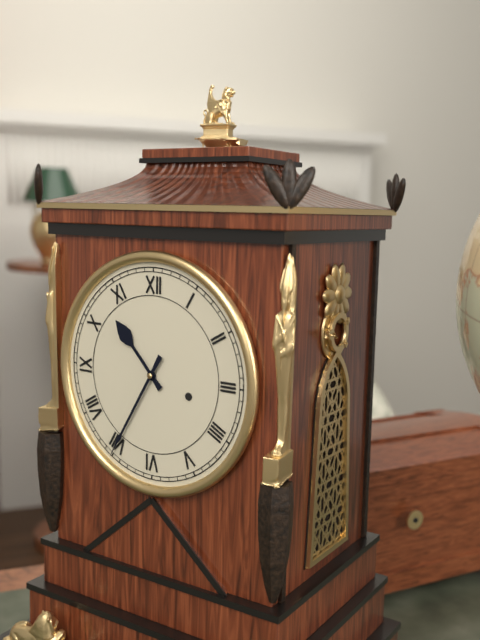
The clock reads h=10 m=35
